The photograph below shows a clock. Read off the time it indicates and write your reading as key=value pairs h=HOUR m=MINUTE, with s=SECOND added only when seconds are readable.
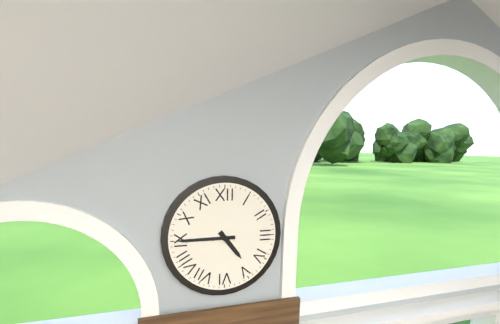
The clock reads h=4 m=45
